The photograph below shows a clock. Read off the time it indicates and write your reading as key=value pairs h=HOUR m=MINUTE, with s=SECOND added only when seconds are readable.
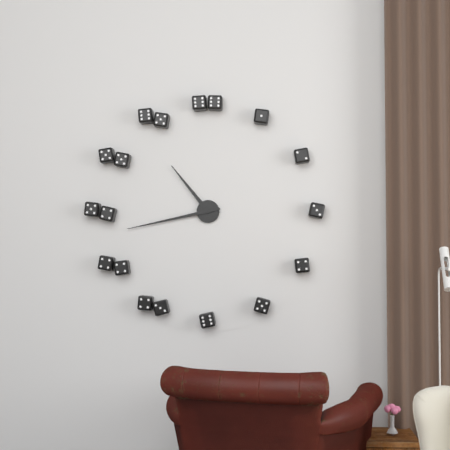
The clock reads h=10 m=43
